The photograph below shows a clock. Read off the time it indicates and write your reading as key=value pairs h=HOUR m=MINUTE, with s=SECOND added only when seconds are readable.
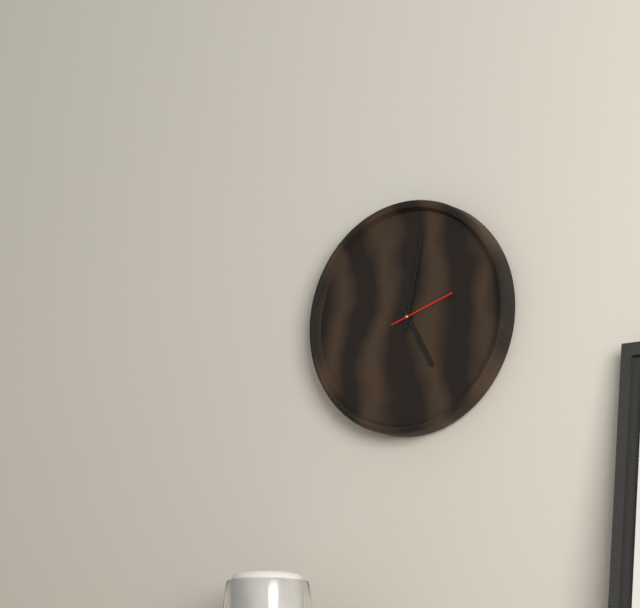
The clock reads h=5 m=2 s=12
